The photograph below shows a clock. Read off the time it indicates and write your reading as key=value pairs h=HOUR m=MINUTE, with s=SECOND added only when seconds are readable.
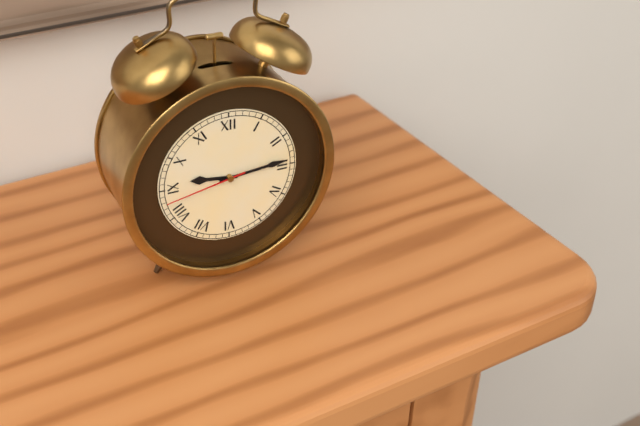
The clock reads h=9 m=14 s=43
